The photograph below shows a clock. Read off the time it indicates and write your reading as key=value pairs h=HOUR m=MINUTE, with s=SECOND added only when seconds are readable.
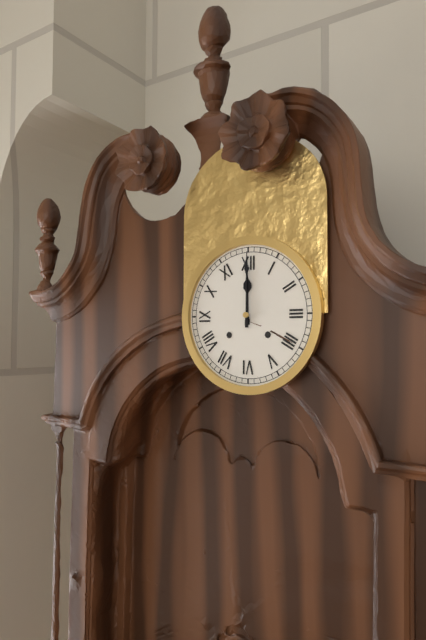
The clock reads h=12 m=0
